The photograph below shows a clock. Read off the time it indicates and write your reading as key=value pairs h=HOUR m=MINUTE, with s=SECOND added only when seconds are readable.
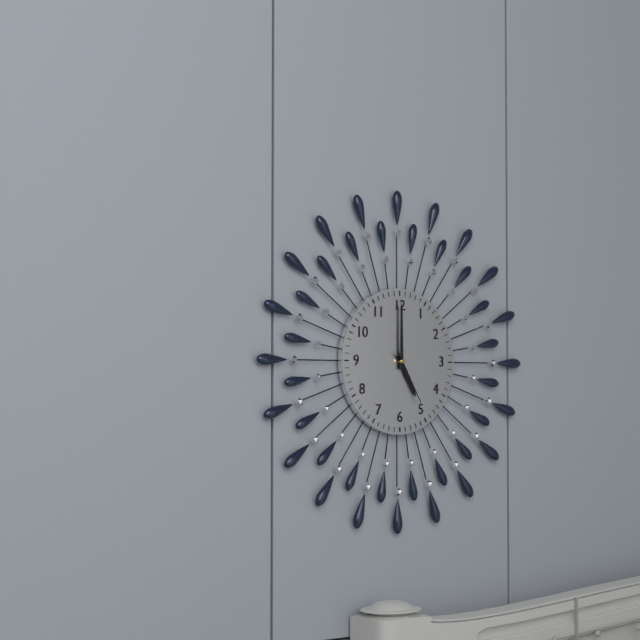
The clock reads h=5 m=0 s=25
